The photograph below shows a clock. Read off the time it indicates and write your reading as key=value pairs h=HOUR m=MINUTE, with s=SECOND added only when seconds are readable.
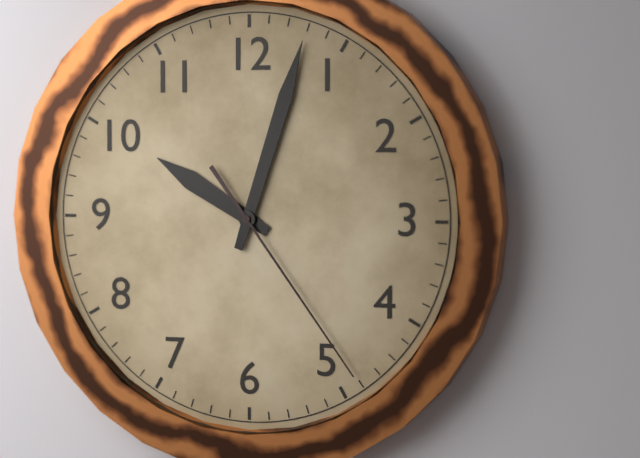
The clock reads h=10 m=3 s=24
